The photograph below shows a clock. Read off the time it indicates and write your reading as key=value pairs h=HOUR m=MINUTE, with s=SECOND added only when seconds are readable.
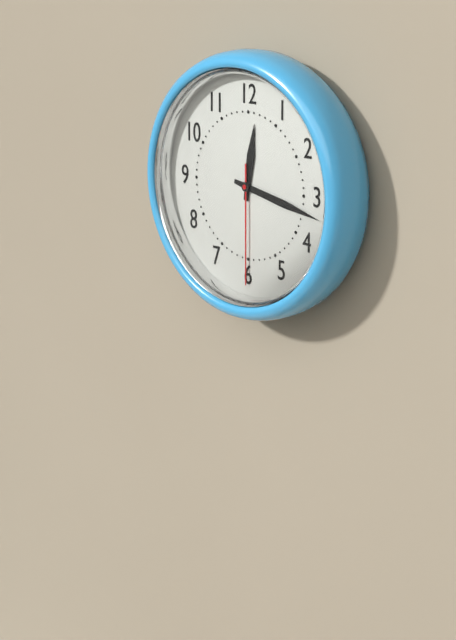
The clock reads h=12 m=17 s=30
